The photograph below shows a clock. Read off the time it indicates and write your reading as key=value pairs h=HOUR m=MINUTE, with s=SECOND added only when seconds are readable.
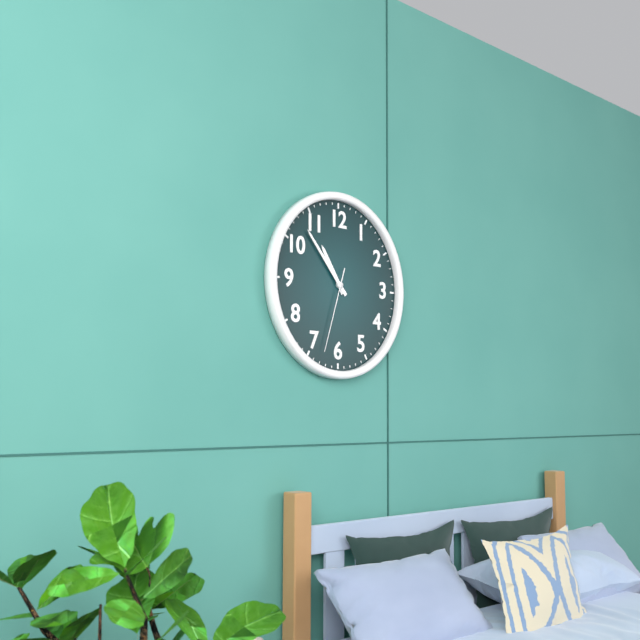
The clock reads h=10 m=53 s=33
